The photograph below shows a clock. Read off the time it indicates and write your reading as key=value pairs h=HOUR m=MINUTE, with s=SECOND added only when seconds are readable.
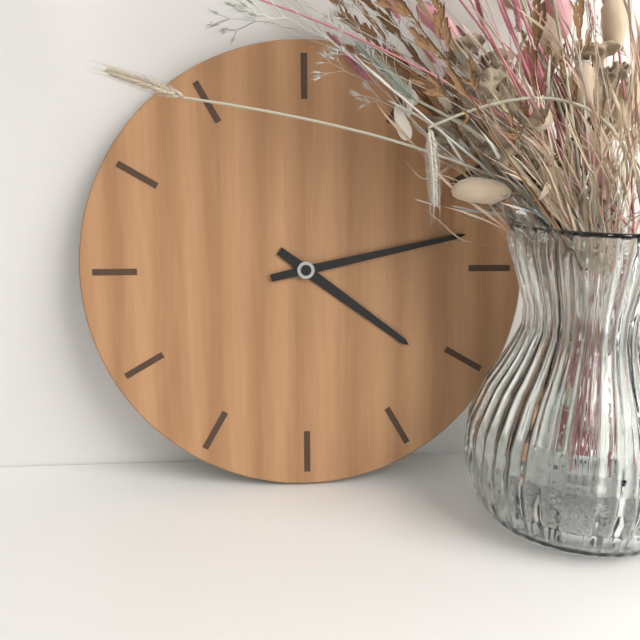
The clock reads h=4 m=13
